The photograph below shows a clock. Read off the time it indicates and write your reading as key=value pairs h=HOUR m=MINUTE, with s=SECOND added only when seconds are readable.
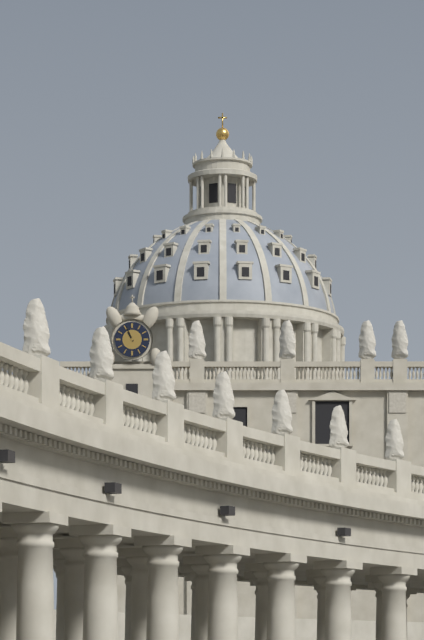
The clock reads h=10 m=56
